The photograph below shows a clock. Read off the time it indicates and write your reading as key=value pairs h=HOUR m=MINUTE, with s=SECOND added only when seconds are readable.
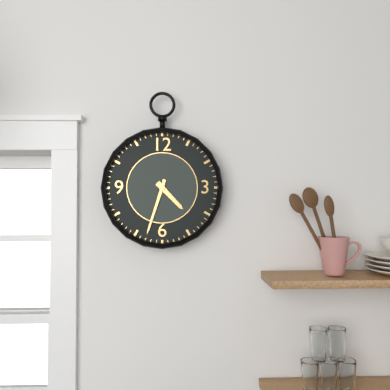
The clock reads h=4 m=33
